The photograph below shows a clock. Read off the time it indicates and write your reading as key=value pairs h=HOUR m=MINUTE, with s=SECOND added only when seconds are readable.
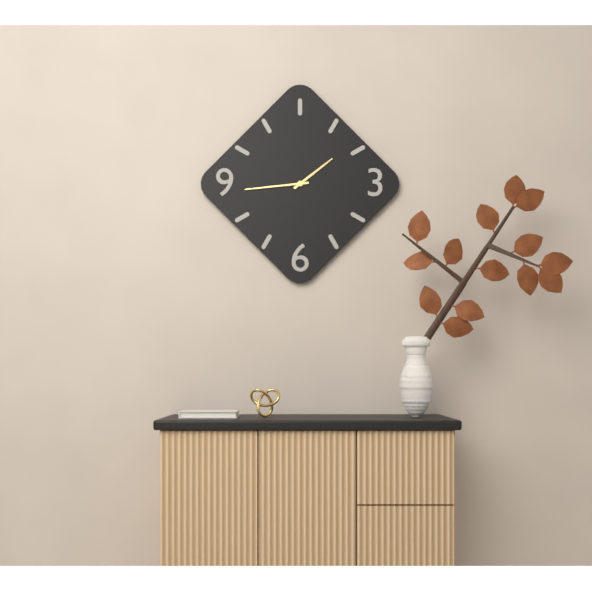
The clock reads h=1 m=44
